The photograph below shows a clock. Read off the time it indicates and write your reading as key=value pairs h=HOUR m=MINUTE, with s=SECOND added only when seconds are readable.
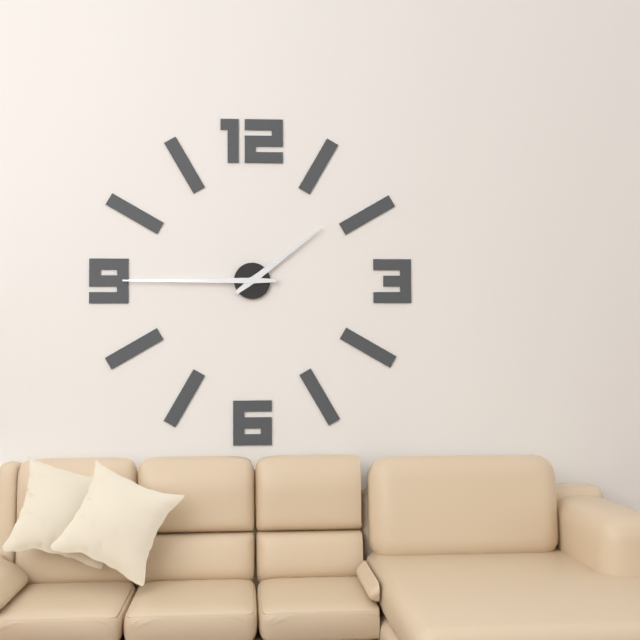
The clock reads h=1 m=45
